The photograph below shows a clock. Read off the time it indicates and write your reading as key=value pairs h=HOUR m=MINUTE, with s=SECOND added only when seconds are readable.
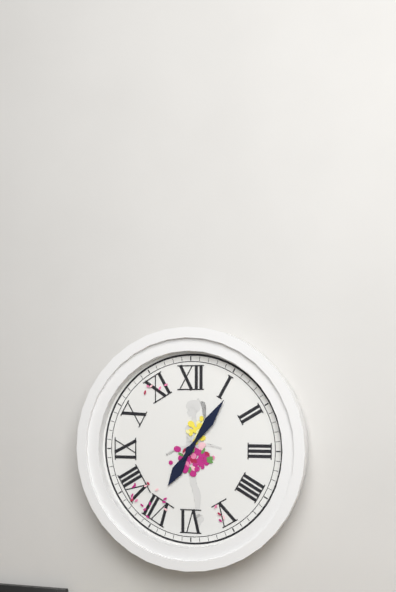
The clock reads h=7 m=6
